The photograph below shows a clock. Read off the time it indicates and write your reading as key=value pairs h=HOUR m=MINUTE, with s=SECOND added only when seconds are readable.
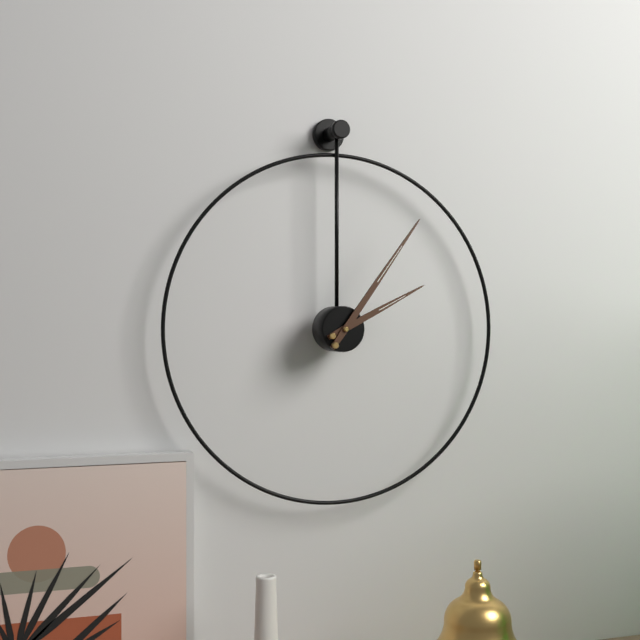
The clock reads h=2 m=6
